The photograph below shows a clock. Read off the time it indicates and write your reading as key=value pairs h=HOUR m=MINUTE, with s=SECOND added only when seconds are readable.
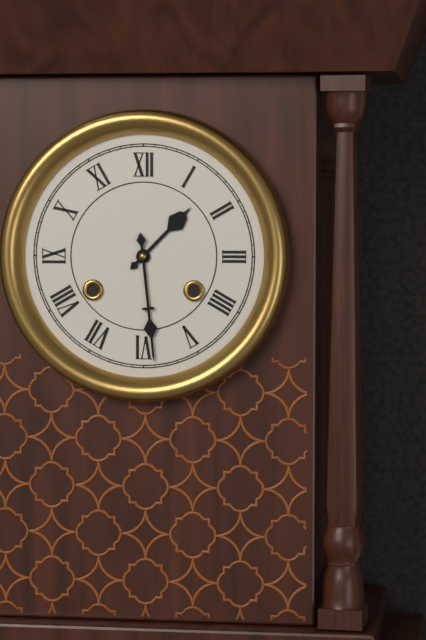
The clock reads h=1 m=29
